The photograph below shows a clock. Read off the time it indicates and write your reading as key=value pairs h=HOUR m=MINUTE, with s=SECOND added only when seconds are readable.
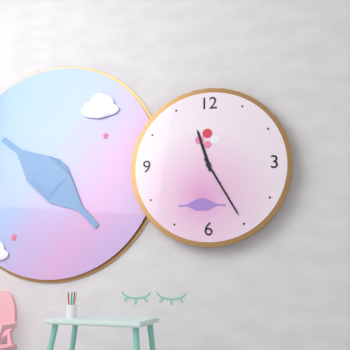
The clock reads h=11 m=25
